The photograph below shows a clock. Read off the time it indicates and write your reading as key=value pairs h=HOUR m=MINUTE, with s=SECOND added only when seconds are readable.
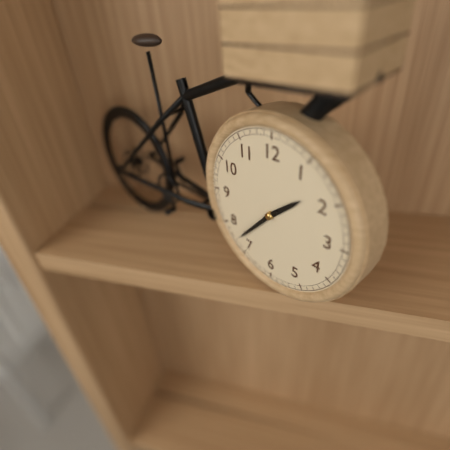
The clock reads h=1 m=37
